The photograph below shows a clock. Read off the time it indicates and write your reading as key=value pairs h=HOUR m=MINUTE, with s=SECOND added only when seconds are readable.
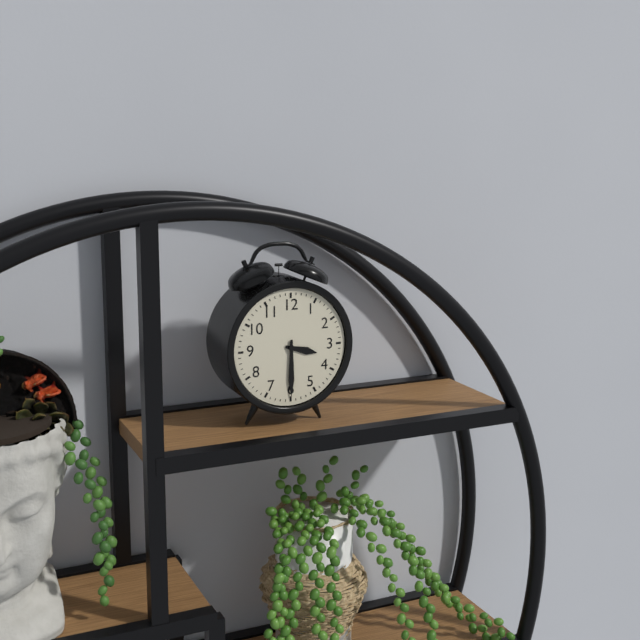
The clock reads h=3 m=30
